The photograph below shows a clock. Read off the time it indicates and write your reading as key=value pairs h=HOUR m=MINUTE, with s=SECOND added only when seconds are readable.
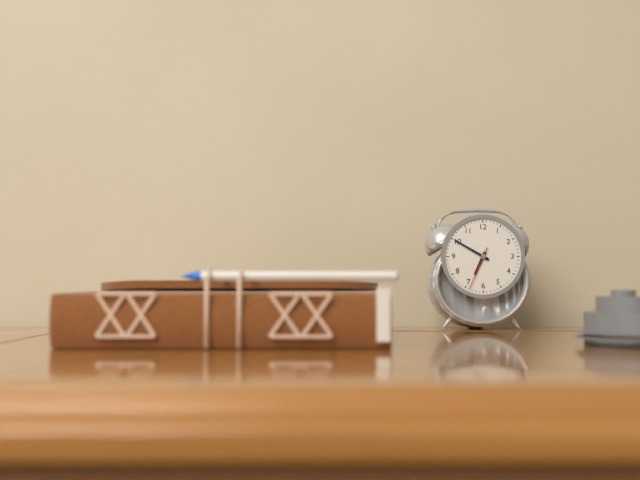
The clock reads h=6 m=50
